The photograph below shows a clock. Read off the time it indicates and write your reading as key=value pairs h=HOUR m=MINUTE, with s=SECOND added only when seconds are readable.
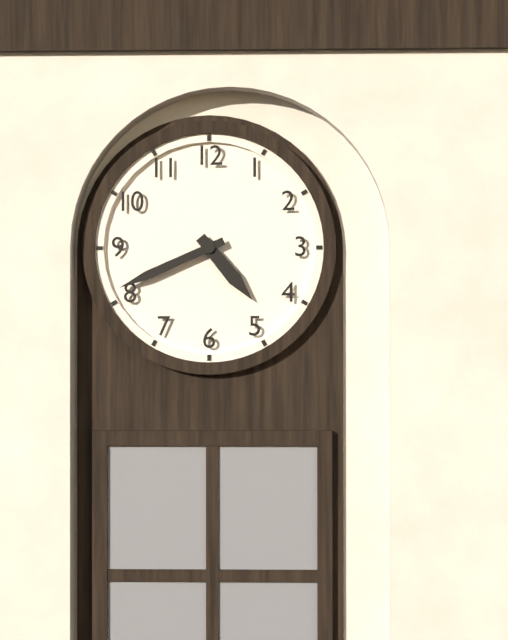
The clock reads h=4 m=41
